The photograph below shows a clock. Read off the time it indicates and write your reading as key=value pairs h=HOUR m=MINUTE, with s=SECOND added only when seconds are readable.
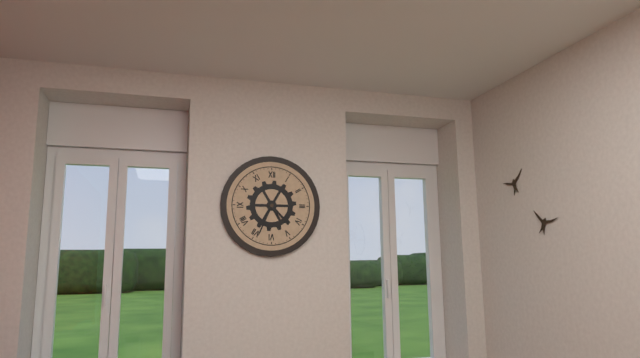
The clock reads h=4 m=34
